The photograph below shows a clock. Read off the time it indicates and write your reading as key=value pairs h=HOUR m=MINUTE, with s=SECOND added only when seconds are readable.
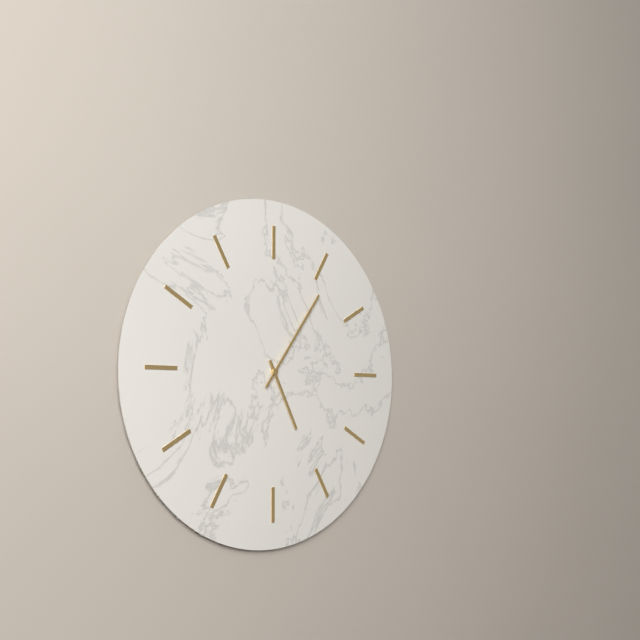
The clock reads h=5 m=6
